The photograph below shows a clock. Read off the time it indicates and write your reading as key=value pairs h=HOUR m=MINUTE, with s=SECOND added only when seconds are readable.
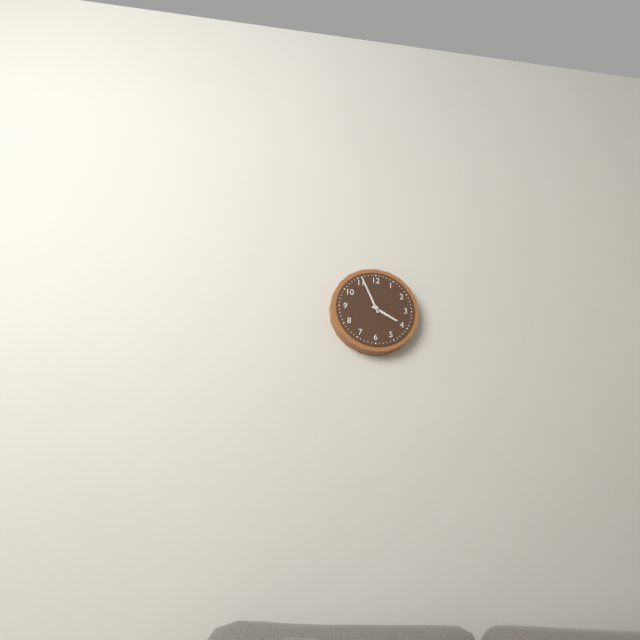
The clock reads h=3 m=56
